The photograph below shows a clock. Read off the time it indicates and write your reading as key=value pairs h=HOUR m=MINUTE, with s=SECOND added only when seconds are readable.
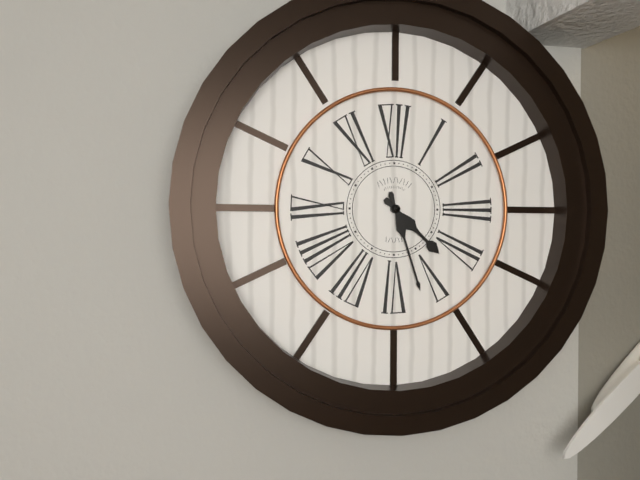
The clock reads h=4 m=27
